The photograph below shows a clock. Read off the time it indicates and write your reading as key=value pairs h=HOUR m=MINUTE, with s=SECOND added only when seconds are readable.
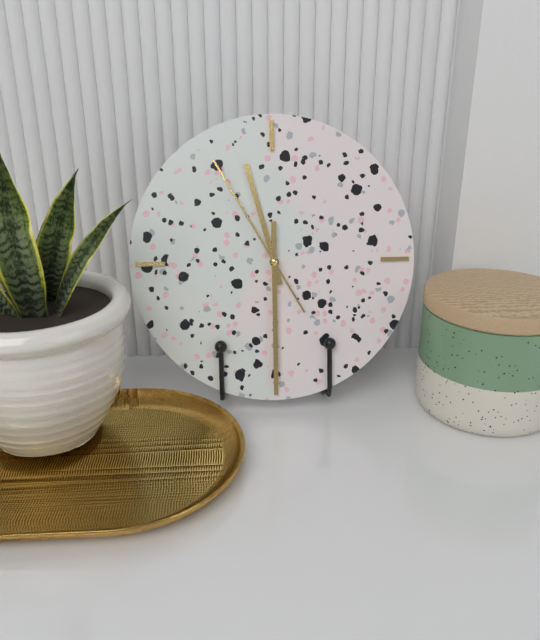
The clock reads h=11 m=30 s=55
